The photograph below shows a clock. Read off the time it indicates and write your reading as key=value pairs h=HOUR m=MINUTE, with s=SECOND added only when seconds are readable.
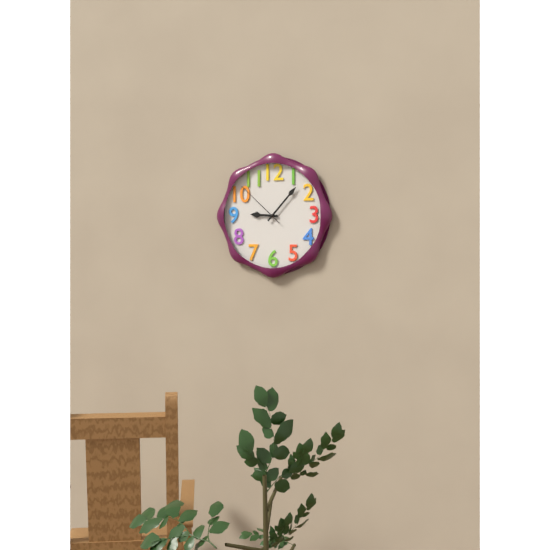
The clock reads h=9 m=7 s=52
